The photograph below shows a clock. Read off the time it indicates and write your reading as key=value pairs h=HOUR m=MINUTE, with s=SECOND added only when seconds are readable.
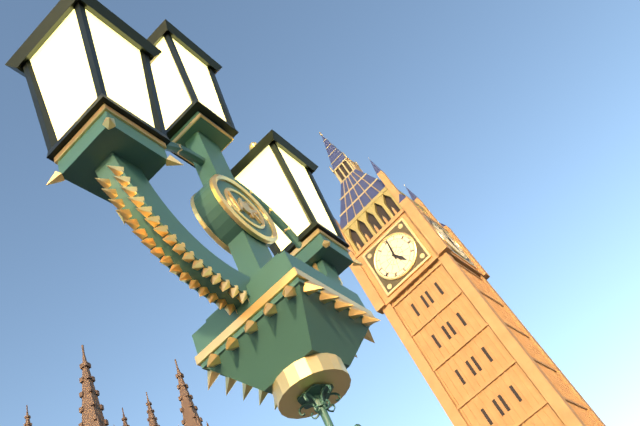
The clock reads h=5 m=1
